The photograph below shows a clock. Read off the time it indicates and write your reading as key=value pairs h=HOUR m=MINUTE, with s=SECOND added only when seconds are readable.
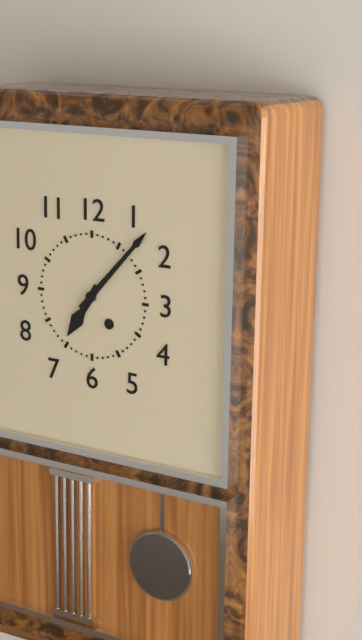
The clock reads h=7 m=7
